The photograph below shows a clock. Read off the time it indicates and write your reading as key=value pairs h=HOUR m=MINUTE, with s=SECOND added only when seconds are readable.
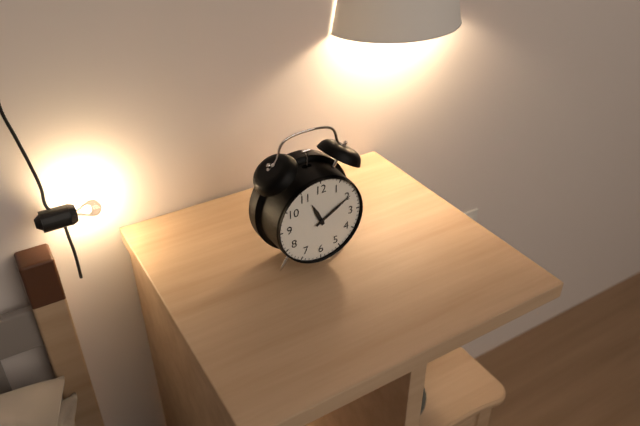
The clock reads h=11 m=10
